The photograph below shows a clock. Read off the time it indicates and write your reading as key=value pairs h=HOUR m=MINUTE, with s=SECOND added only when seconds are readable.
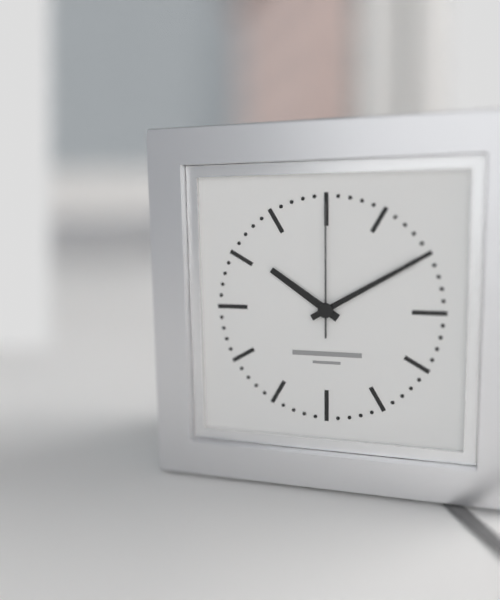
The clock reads h=10 m=10 s=0
